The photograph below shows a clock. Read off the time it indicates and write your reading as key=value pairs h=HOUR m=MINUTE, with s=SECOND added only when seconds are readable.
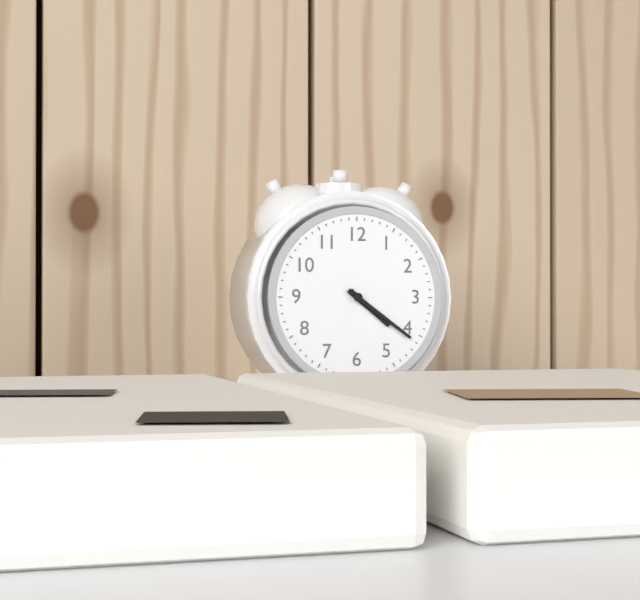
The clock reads h=4 m=21
